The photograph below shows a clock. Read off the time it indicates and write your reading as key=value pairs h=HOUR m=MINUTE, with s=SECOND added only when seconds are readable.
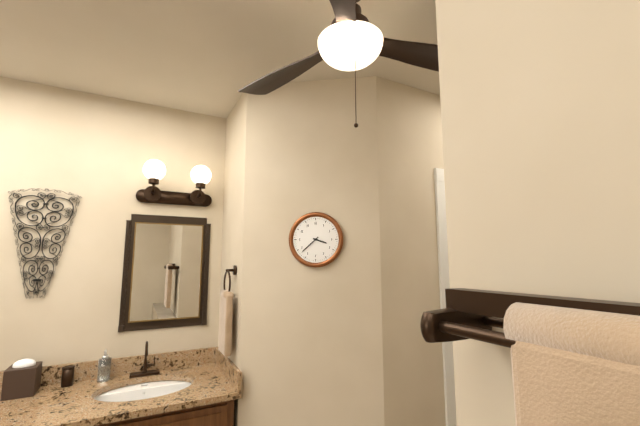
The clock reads h=3 m=38
